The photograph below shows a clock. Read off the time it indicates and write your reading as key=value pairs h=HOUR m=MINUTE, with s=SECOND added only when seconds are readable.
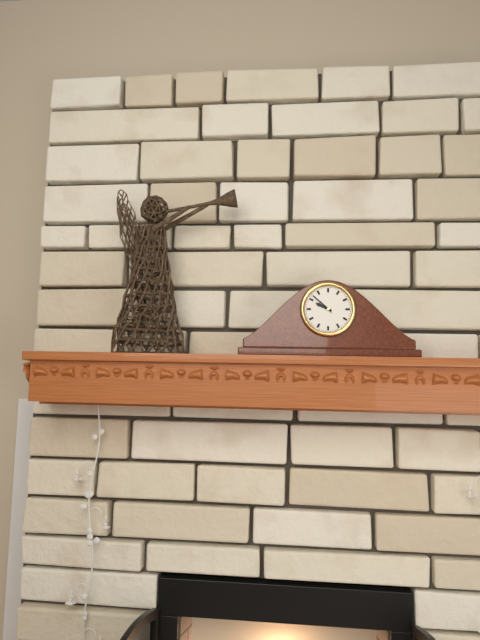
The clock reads h=9 m=52
